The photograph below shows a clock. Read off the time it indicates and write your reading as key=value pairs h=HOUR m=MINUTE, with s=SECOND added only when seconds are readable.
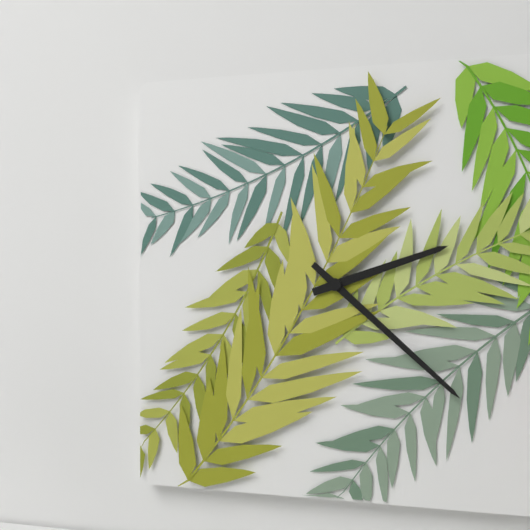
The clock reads h=2 m=22
